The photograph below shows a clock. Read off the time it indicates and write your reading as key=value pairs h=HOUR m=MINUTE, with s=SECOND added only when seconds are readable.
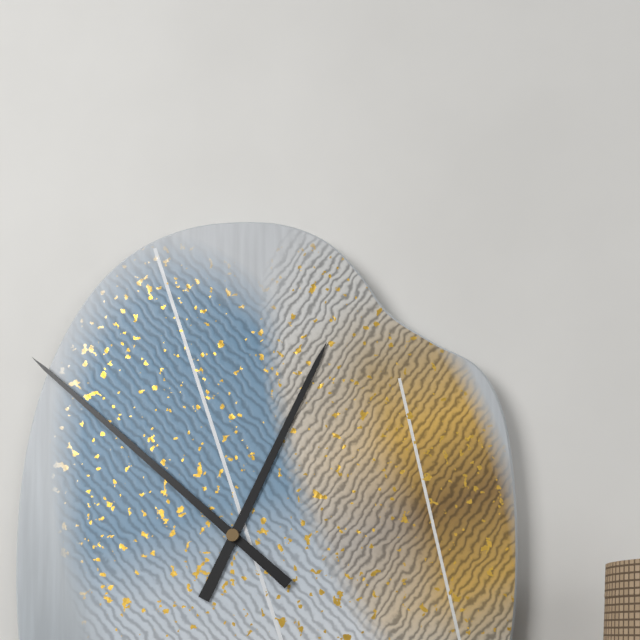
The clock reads h=12 m=52
